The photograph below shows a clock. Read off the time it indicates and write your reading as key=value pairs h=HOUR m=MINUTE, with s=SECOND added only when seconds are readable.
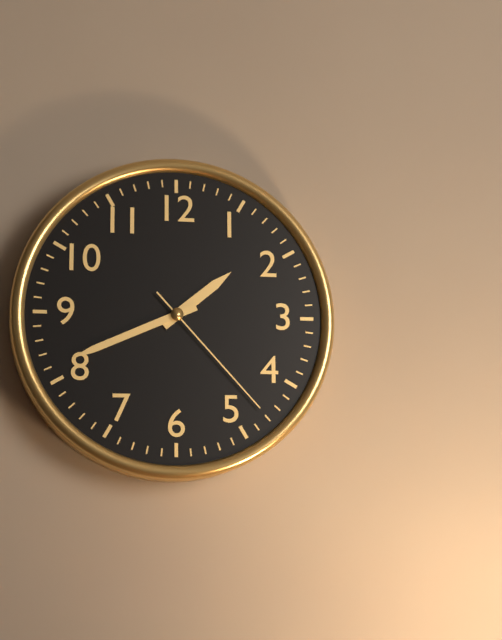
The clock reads h=1 m=41 s=23
